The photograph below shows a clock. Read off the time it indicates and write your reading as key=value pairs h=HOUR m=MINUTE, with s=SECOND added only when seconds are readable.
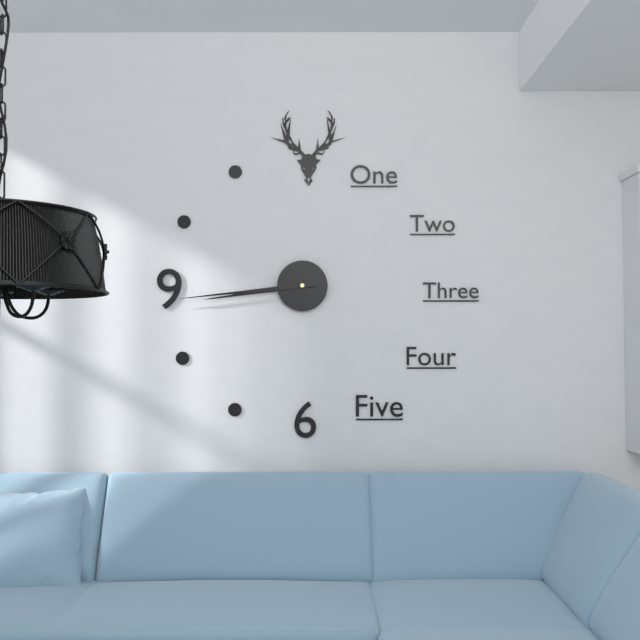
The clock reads h=8 m=44
